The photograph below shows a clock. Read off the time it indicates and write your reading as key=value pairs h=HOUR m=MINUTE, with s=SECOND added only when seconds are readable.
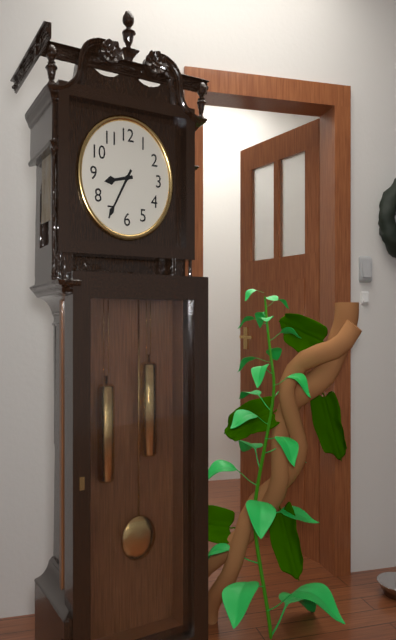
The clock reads h=8 m=35
